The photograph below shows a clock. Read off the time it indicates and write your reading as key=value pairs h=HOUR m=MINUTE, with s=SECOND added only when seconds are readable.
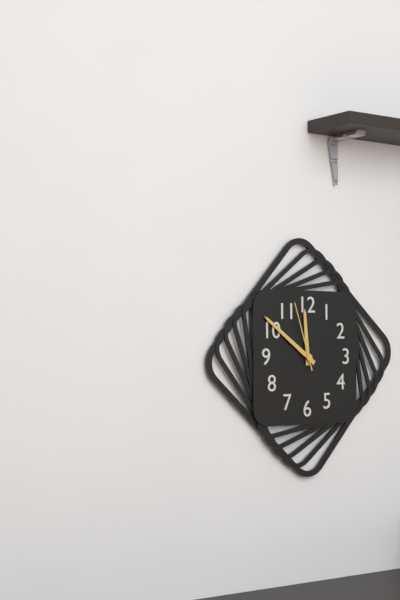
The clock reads h=11 m=51 s=57
